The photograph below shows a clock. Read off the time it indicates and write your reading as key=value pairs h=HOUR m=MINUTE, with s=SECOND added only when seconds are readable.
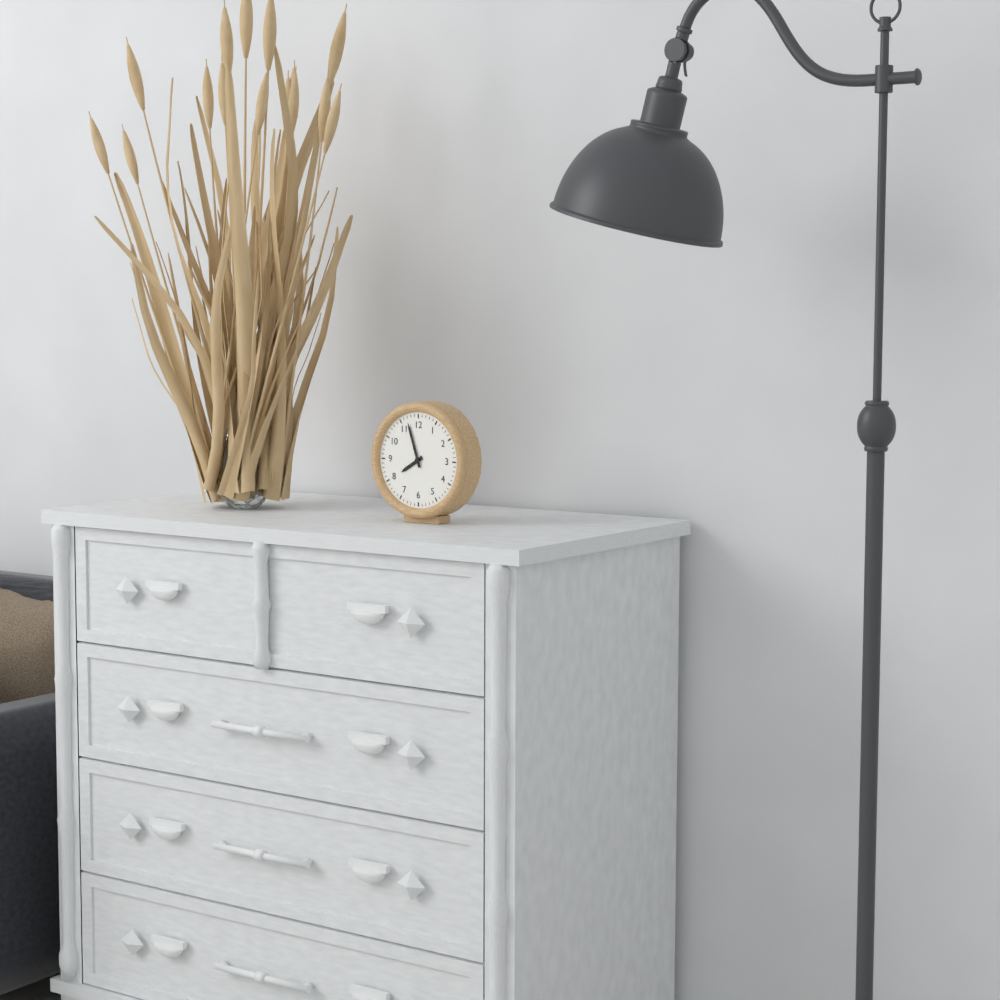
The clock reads h=7 m=57
